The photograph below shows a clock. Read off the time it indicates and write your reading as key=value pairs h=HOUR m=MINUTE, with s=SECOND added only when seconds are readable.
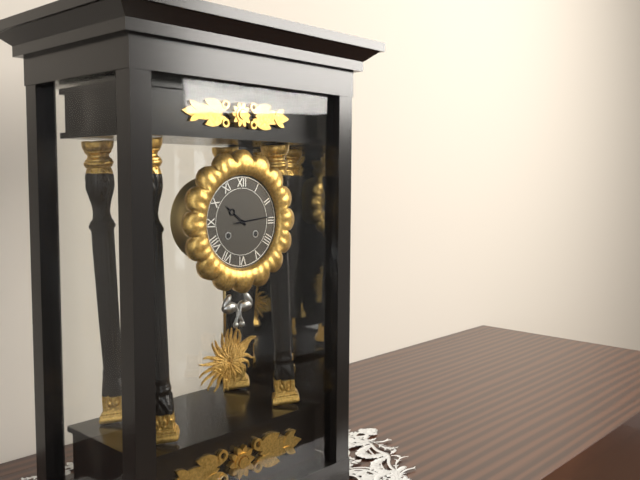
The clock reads h=10 m=14
